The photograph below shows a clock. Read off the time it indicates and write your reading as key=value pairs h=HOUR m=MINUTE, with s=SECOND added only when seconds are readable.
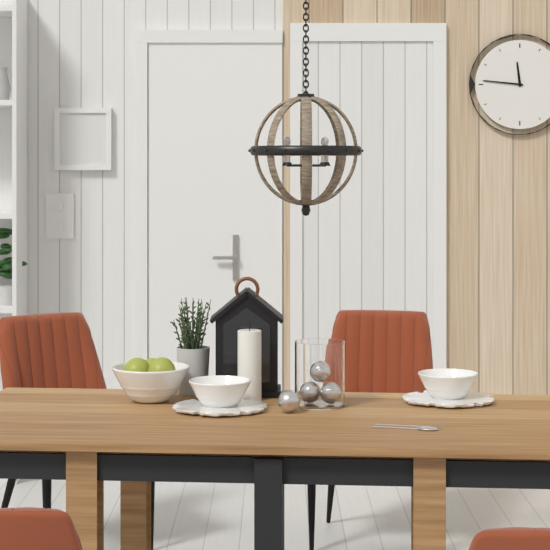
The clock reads h=11 m=46
